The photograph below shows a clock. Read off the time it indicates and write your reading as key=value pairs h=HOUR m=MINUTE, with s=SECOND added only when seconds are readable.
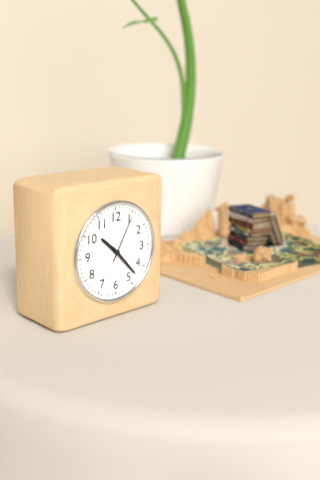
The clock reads h=10 m=23 s=5
